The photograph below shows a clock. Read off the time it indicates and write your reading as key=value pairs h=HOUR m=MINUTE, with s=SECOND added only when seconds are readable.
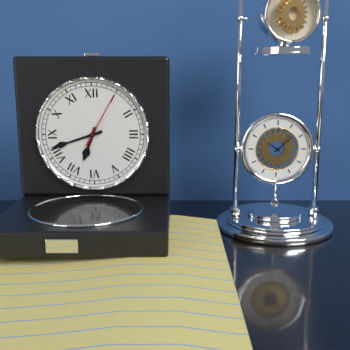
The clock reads h=6 m=42 s=5
